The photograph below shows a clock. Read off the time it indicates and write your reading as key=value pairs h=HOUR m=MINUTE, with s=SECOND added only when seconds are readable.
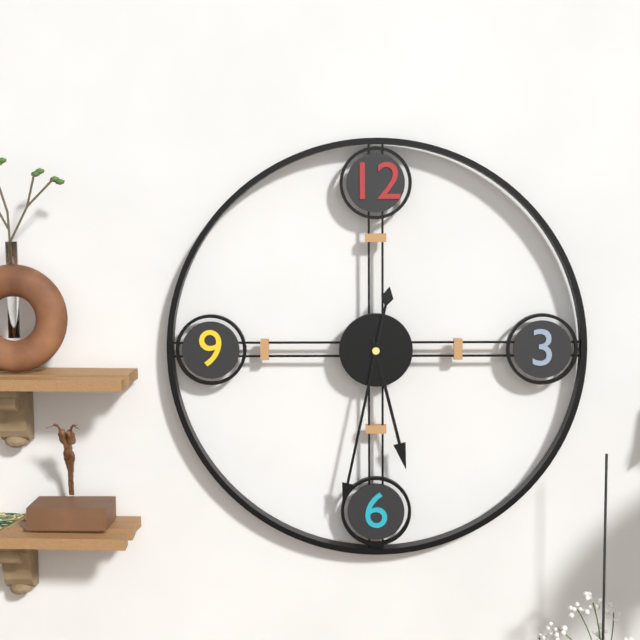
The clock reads h=5 m=32
